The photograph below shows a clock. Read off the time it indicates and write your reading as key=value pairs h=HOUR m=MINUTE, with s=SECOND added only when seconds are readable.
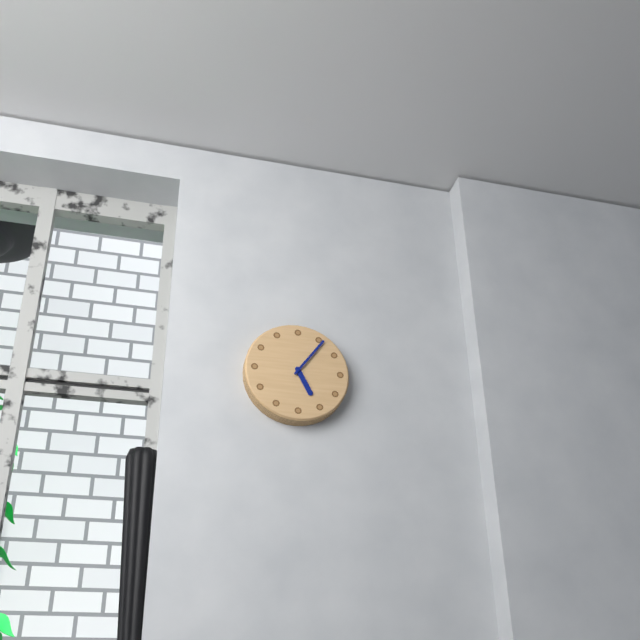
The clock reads h=5 m=6
